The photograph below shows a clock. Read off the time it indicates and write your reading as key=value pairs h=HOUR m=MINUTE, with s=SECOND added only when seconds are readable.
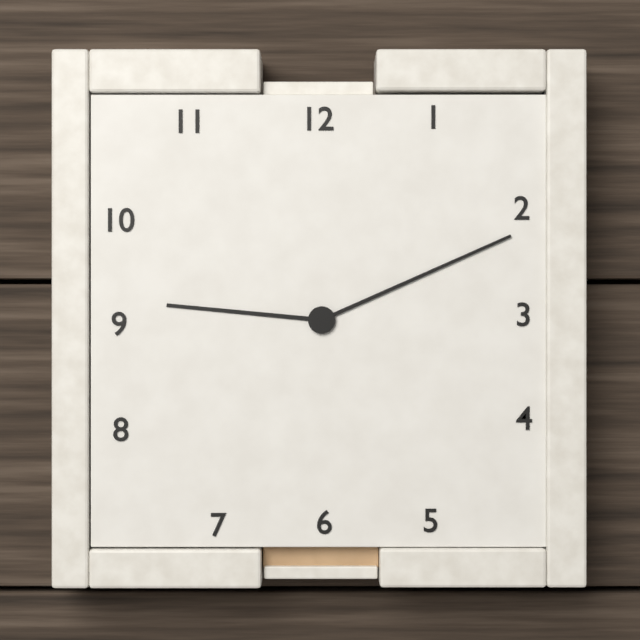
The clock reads h=9 m=11
